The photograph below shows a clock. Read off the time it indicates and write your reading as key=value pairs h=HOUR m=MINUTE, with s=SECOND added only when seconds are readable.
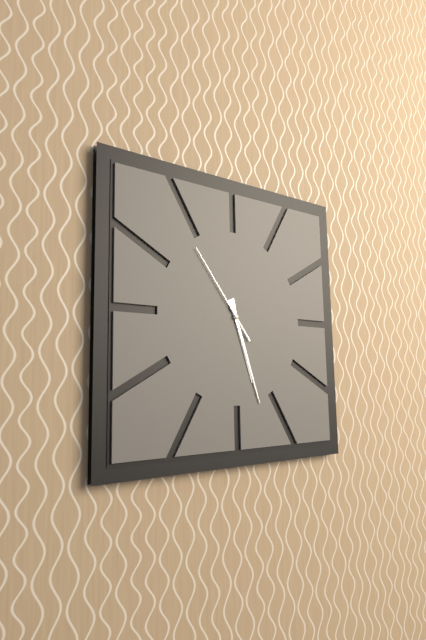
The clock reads h=5 m=27 s=54
